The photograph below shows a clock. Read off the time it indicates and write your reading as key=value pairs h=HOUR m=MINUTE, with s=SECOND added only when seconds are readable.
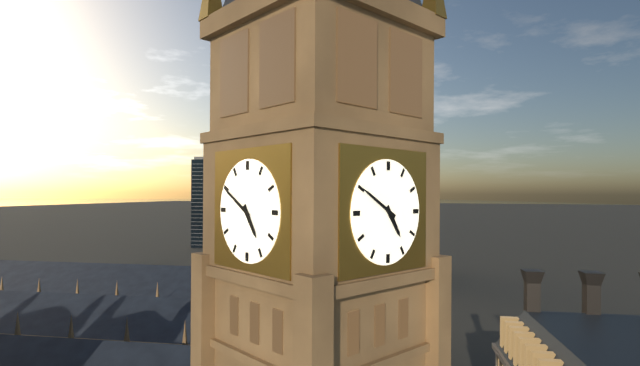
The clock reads h=4 m=50
